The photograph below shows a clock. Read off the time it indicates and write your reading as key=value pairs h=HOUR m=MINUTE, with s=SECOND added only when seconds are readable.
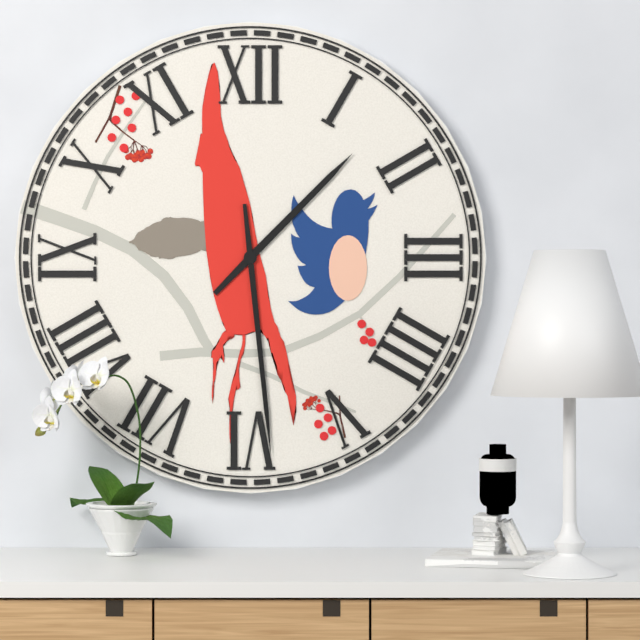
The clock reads h=1 m=29
